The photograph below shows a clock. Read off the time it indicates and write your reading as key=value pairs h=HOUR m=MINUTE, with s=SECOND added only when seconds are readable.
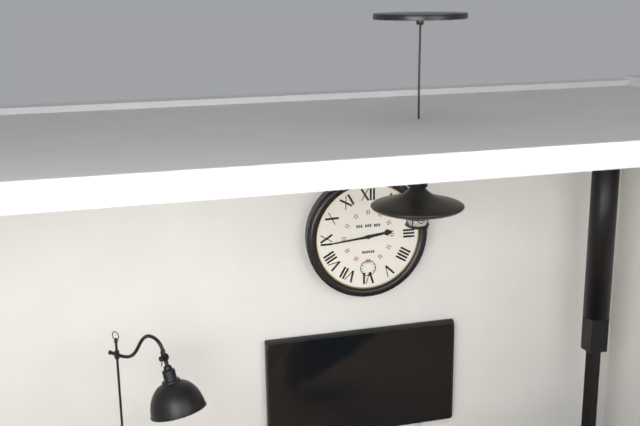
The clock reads h=2 m=44
